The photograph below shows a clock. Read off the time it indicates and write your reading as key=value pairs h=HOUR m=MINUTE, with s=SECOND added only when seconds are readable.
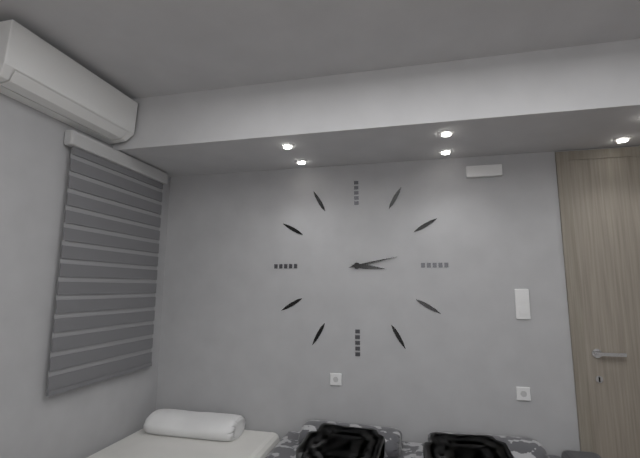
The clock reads h=3 m=13
